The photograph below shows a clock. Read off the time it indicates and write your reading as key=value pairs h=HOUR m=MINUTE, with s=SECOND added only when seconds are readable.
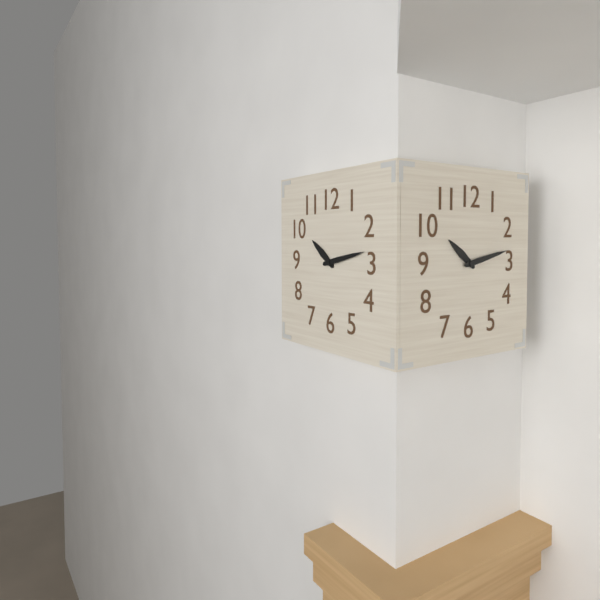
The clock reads h=10 m=13
